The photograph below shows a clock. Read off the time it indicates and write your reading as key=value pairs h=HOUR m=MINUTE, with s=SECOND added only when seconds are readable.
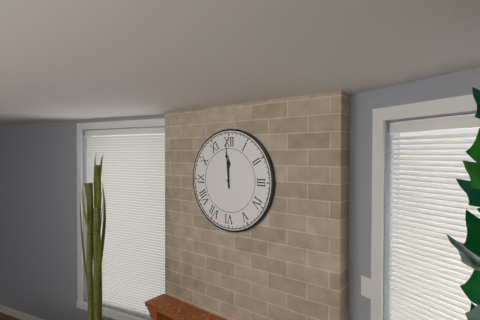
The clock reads h=11 m=59
